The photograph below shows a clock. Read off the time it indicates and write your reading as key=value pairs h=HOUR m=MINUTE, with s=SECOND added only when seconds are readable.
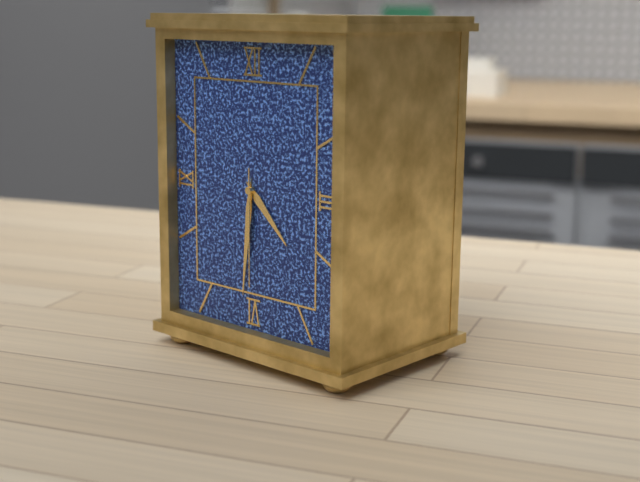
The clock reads h=4 m=31 s=30
